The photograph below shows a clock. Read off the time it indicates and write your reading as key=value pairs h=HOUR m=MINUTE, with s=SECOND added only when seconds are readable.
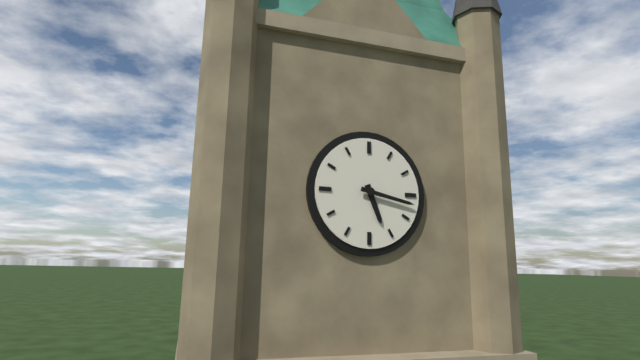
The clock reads h=5 m=17
